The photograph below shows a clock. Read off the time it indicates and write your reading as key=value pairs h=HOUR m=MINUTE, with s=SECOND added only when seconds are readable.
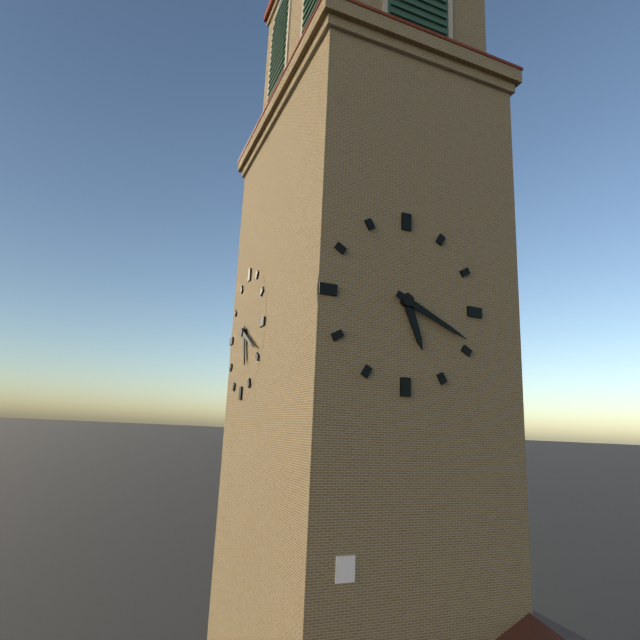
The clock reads h=5 m=19
